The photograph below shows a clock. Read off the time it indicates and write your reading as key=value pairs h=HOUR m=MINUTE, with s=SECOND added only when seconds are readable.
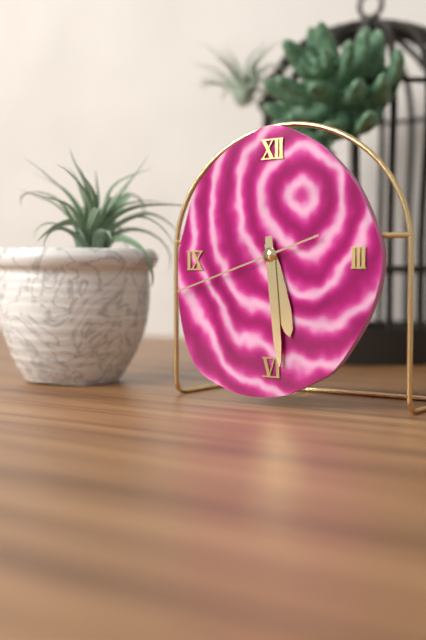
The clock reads h=5 m=29 s=42
